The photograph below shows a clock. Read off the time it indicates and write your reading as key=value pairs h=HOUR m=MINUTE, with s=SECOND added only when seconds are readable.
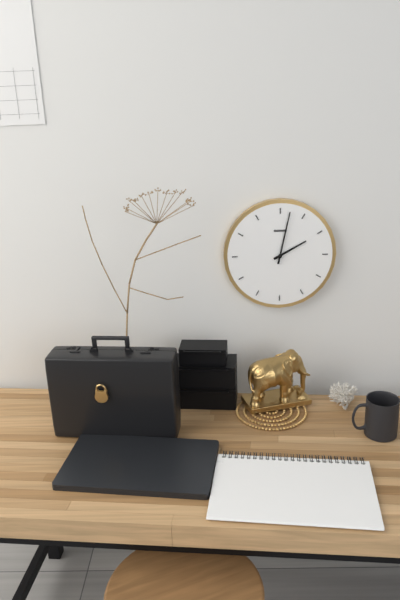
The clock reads h=2 m=2
